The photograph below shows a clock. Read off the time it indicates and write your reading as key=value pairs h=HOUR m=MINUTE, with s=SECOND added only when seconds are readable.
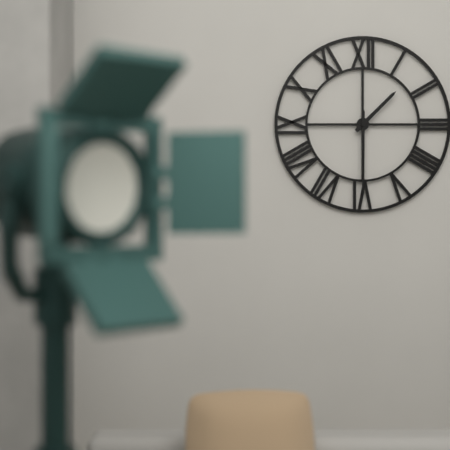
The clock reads h=1 m=30
